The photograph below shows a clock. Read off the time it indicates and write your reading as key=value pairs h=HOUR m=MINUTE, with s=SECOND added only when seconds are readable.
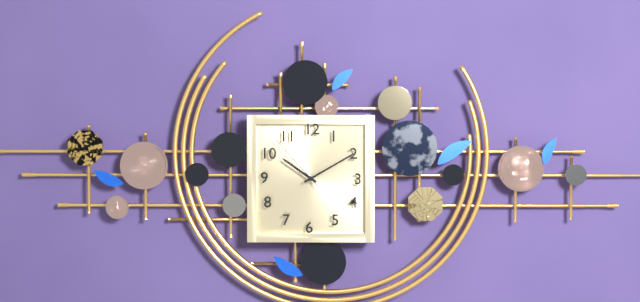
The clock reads h=10 m=10 s=53
